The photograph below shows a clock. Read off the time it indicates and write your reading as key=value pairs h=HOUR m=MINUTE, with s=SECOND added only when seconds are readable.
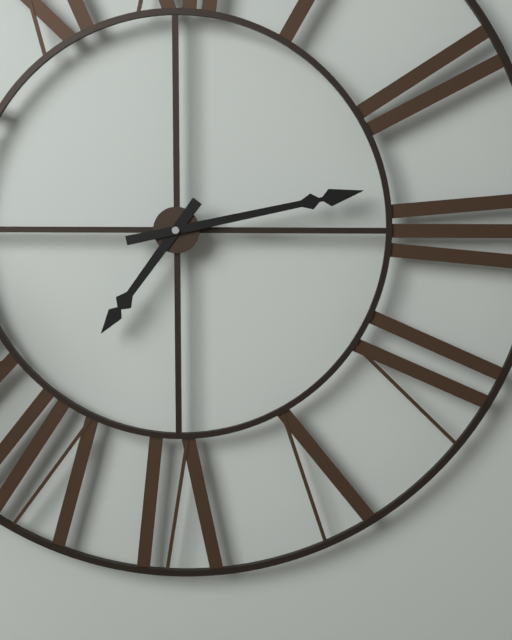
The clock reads h=7 m=13
